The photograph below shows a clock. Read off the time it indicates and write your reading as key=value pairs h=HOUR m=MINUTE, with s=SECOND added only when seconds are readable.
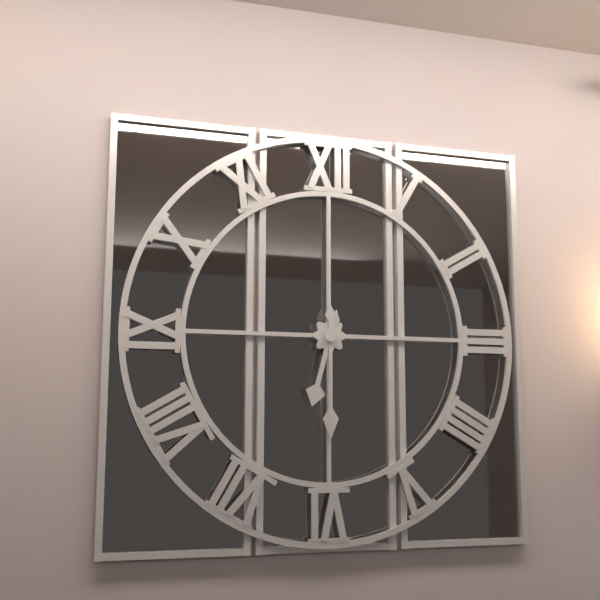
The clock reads h=6 m=30
